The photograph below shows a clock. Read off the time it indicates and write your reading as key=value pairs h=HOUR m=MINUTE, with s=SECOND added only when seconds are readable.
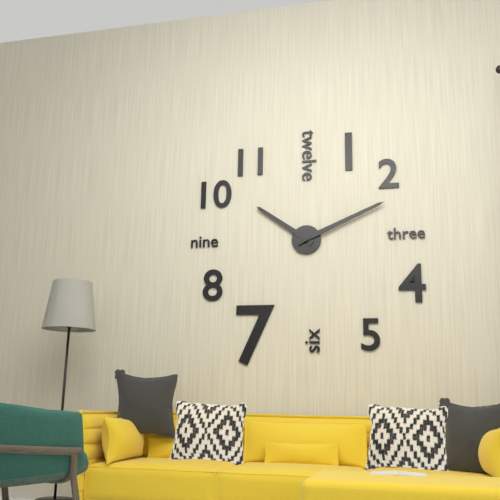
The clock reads h=10 m=11
